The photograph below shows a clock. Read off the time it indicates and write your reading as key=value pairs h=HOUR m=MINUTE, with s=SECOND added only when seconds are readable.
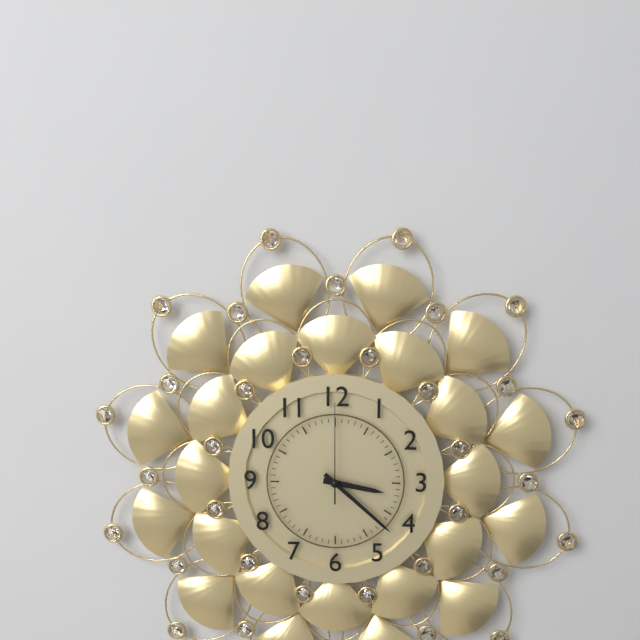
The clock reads h=3 m=22 s=0
